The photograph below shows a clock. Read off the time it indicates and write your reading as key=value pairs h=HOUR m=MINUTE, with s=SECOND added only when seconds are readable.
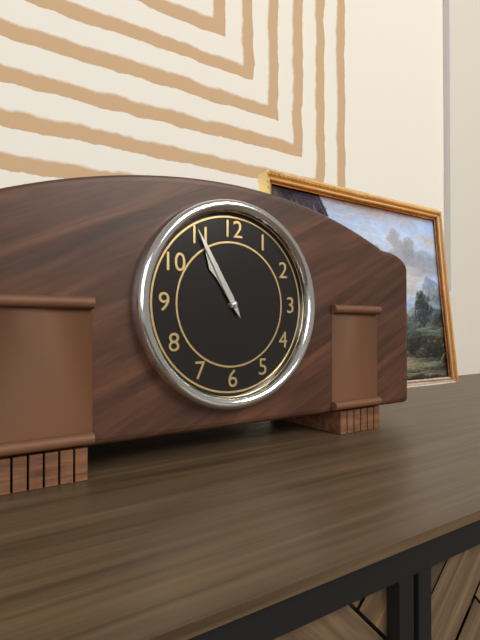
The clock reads h=10 m=55
